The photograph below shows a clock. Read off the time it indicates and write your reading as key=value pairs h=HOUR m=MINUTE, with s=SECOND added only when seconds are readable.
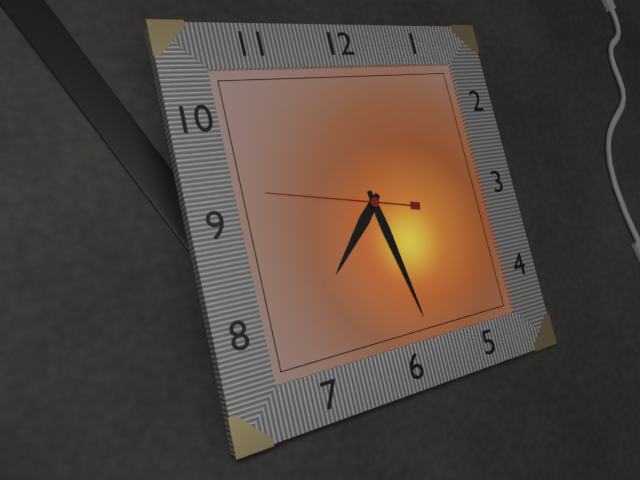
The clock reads h=7 m=28 s=47
